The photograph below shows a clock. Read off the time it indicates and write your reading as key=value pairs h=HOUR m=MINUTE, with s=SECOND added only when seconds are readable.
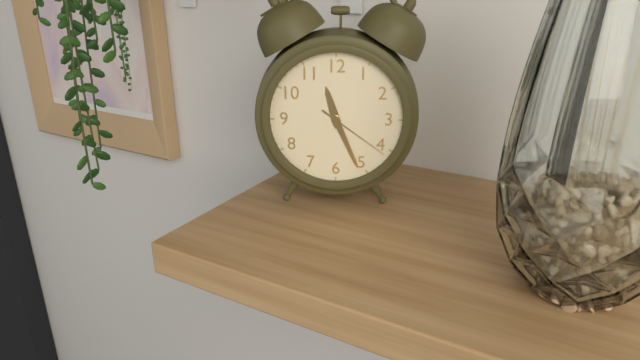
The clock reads h=11 m=26 s=21
